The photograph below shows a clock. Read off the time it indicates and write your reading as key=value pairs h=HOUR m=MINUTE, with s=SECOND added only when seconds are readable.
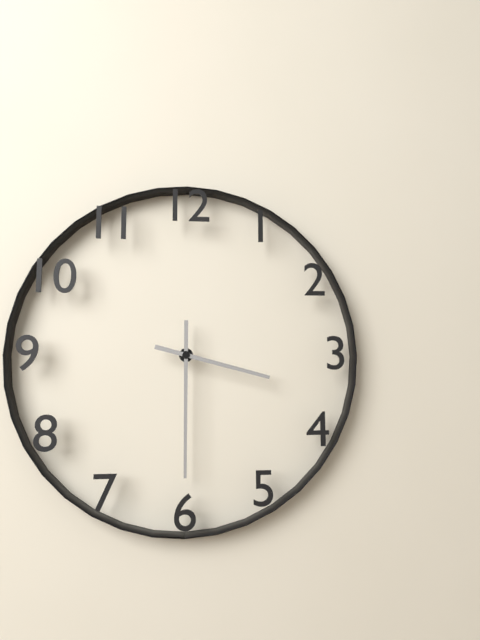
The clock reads h=3 m=30
